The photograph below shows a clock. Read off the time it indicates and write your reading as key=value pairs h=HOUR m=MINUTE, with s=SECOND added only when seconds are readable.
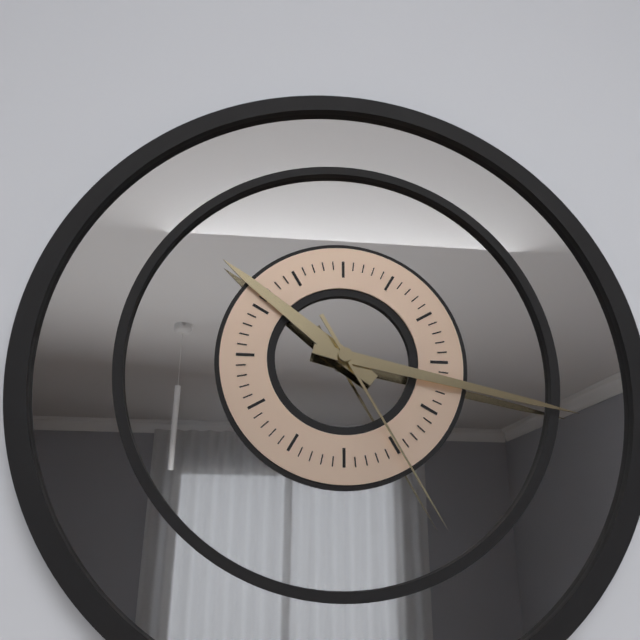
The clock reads h=10 m=17 s=25
